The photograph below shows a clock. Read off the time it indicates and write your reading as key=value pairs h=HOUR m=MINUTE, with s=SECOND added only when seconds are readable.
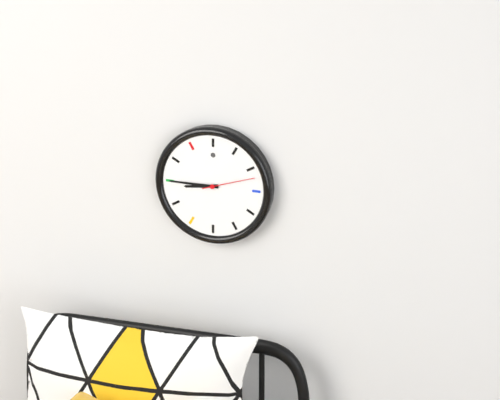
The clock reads h=8 m=45 s=12
